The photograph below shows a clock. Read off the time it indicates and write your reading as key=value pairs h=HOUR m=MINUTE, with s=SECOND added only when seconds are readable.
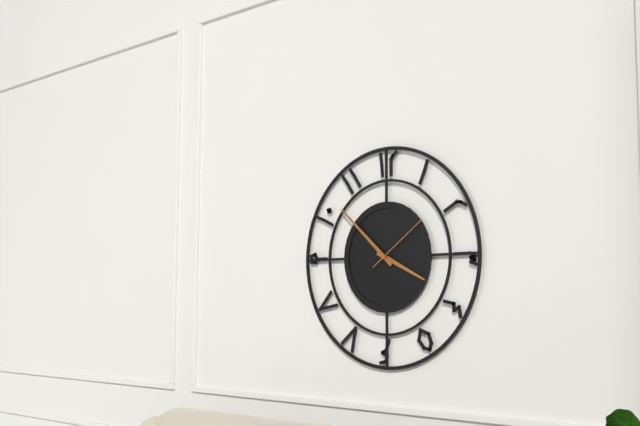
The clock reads h=3 m=52 s=9
